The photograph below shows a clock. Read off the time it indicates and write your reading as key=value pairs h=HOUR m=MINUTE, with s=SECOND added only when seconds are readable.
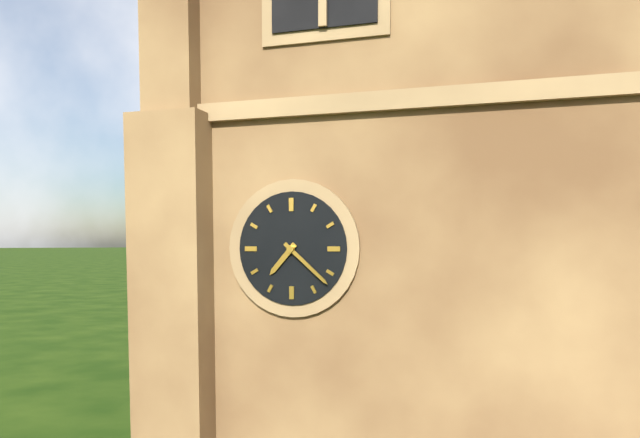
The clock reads h=7 m=22
